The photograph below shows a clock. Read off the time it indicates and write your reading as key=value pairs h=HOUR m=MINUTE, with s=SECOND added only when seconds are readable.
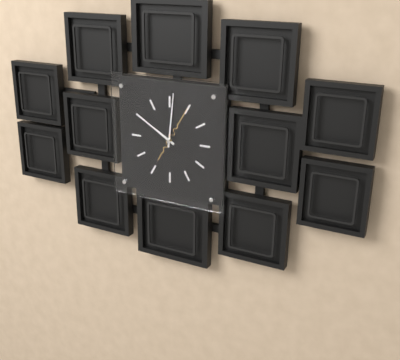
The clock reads h=10 m=1
